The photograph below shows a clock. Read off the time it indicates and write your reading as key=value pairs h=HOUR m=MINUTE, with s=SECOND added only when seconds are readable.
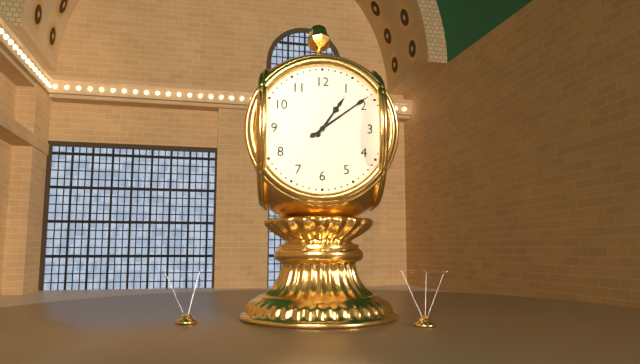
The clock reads h=1 m=9
